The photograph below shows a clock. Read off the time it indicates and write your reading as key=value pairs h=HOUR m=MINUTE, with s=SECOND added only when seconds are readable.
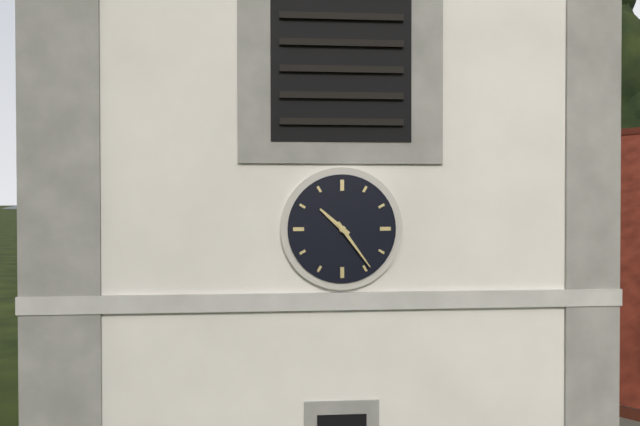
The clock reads h=10 m=24
